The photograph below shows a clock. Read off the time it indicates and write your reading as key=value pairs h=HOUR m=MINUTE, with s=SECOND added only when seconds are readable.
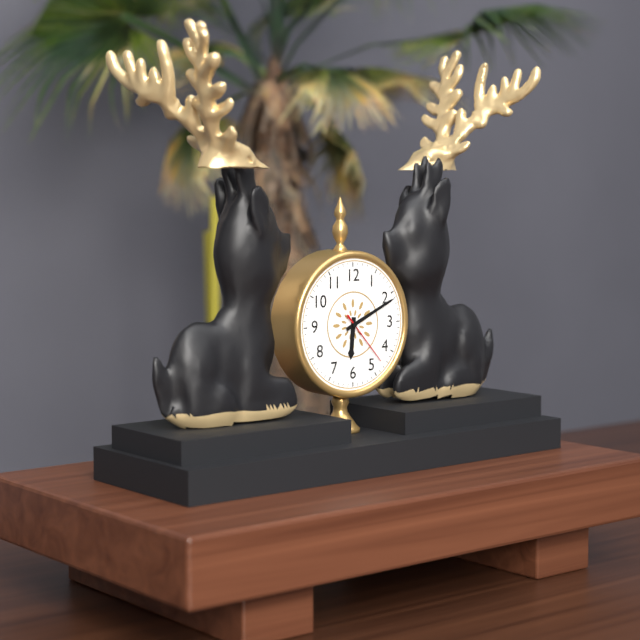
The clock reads h=6 m=11 s=23
